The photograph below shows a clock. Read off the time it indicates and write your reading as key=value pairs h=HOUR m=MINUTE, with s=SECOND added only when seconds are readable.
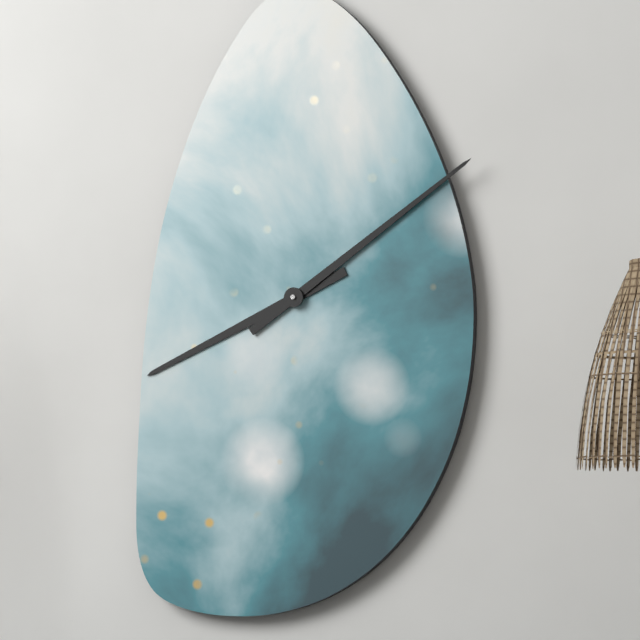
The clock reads h=8 m=9
